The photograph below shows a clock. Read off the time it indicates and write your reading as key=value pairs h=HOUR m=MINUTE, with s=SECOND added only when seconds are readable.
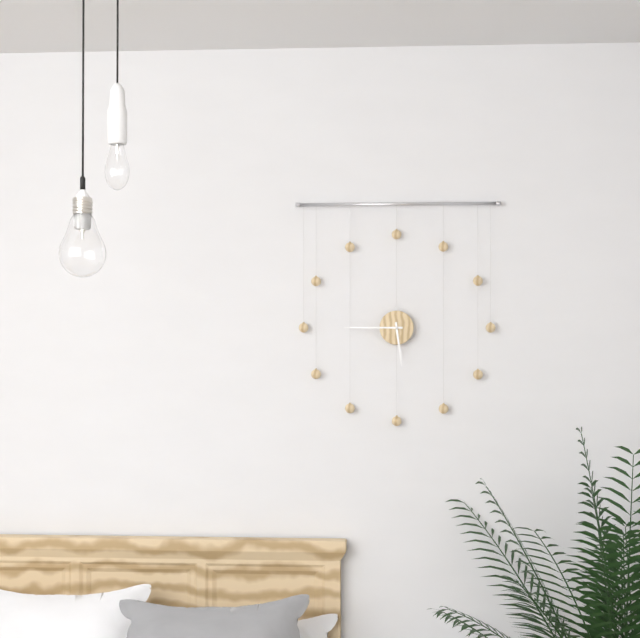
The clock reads h=5 m=45
